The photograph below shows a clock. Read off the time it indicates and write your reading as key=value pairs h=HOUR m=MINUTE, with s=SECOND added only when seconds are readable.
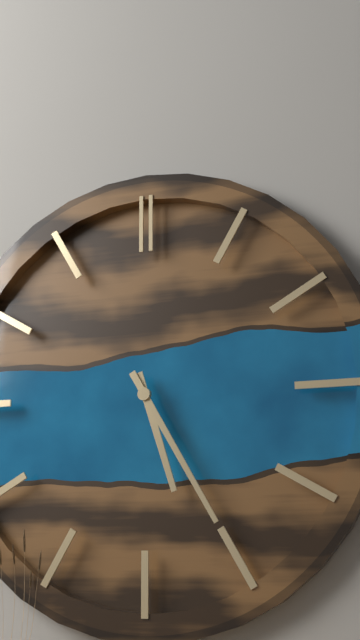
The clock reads h=5 m=25
